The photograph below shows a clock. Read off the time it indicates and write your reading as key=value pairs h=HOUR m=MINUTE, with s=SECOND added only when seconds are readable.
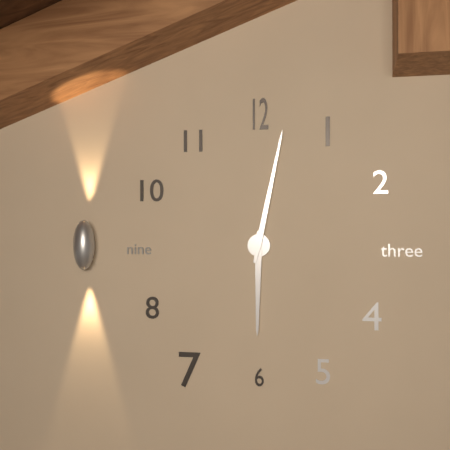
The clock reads h=6 m=2
